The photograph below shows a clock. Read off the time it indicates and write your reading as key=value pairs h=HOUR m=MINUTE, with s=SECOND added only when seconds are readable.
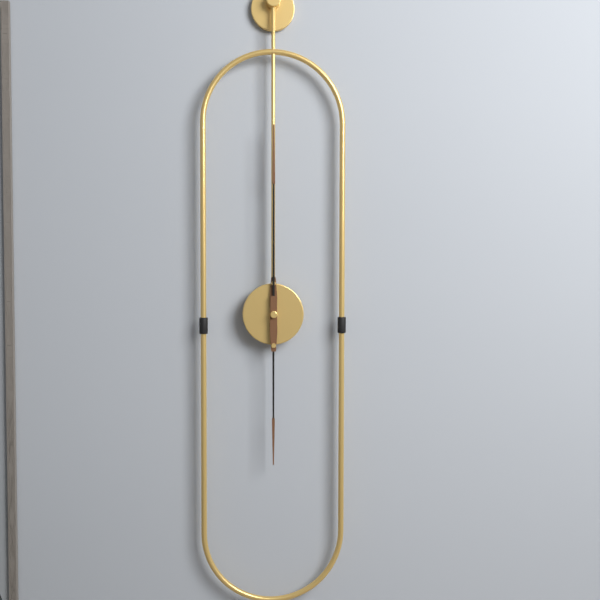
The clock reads h=6 m=0
